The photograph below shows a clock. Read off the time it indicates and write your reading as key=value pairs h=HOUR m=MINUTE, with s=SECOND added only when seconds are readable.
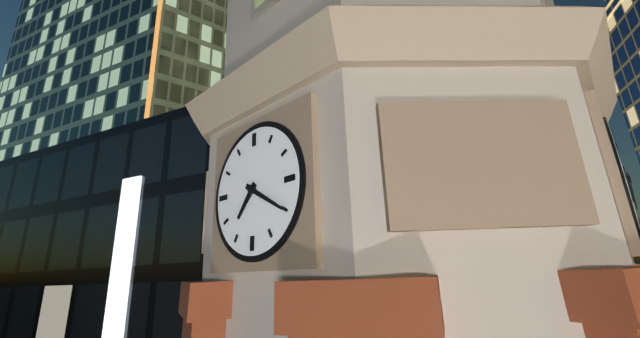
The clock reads h=7 m=20
